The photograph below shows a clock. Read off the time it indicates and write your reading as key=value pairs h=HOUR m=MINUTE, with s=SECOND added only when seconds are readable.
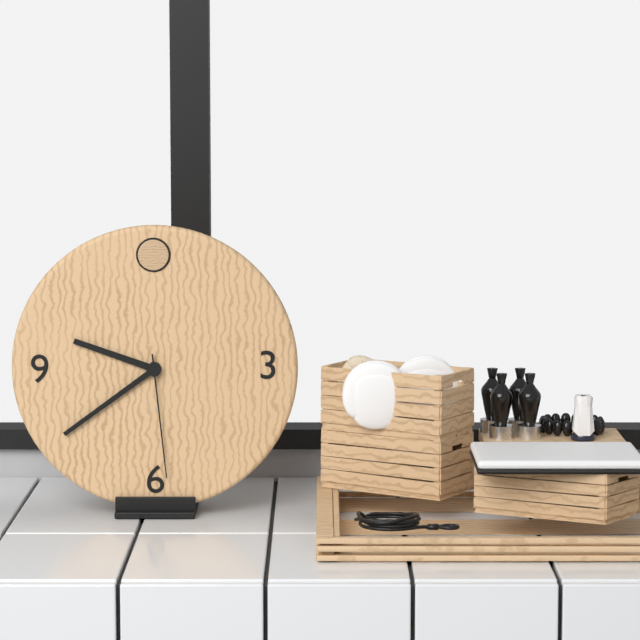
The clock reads h=9 m=39 s=29
